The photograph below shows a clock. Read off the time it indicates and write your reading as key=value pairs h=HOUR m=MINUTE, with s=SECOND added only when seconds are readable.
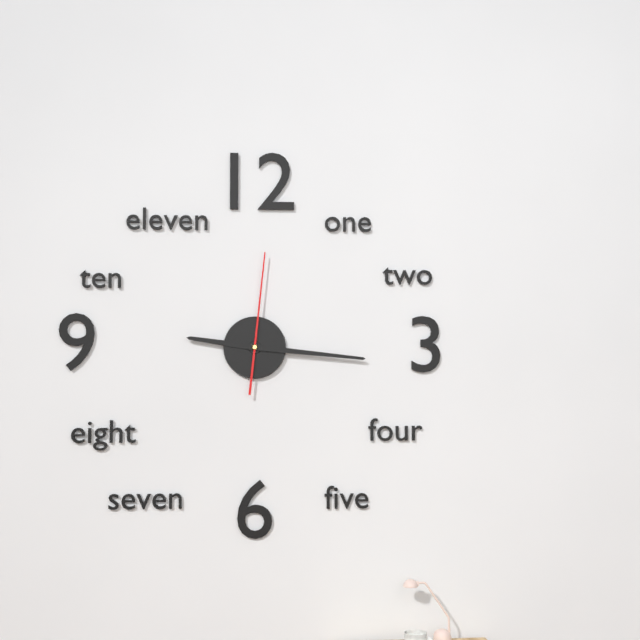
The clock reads h=9 m=16 s=1
